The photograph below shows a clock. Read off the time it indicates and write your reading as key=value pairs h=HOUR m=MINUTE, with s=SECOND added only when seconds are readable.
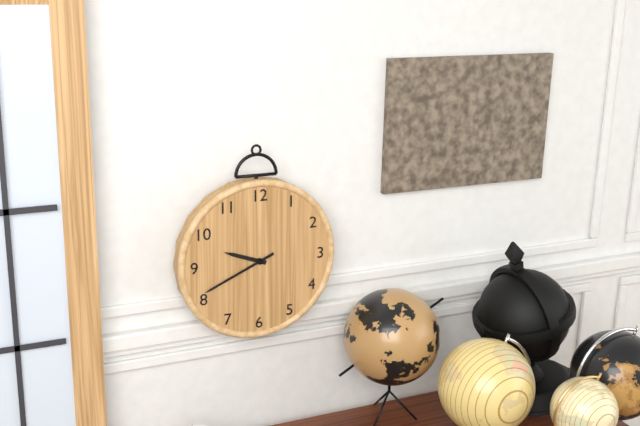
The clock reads h=9 m=41
